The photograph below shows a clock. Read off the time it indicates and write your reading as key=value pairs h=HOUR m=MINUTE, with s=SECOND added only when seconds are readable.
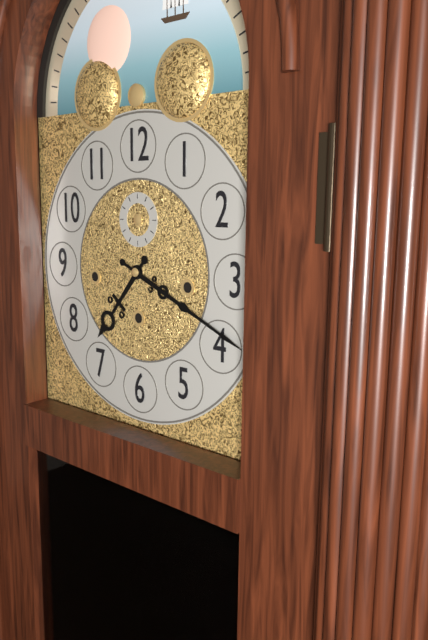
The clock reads h=7 m=19
